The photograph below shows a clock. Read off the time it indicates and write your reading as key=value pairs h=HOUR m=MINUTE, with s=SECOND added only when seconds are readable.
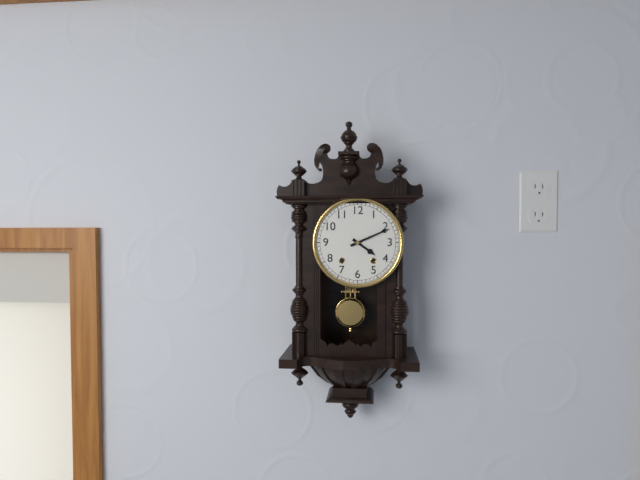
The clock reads h=4 m=11
